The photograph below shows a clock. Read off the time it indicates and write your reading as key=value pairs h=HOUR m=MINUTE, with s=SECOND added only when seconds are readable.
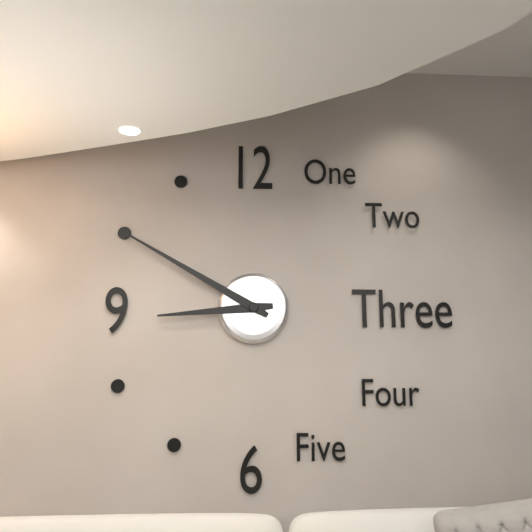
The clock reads h=8 m=50
